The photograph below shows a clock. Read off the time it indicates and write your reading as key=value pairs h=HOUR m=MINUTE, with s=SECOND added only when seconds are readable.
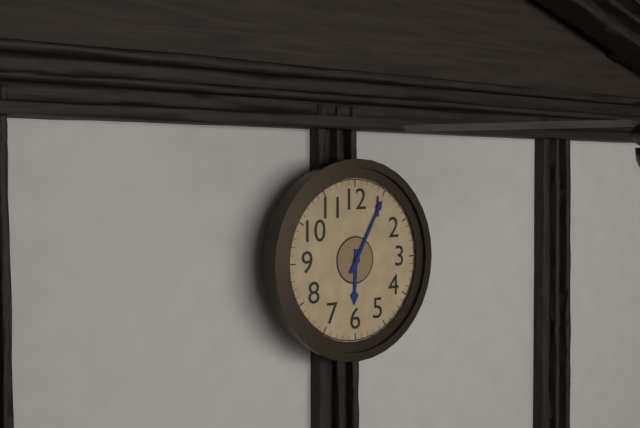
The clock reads h=6 m=5
